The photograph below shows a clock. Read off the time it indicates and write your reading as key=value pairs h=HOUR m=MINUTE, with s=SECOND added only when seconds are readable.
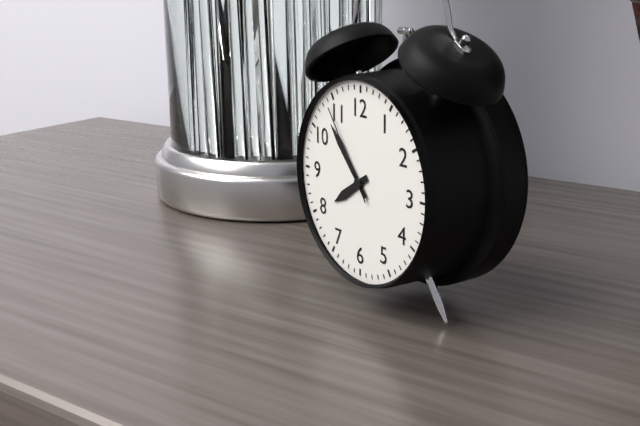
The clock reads h=7 m=53 s=54
